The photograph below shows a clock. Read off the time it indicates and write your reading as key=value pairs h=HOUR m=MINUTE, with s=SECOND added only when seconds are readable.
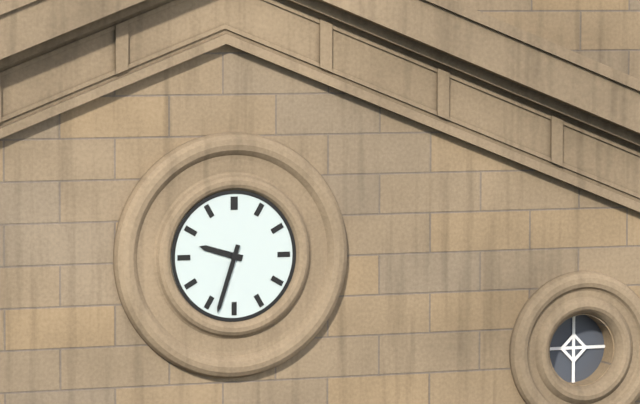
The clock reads h=9 m=33
